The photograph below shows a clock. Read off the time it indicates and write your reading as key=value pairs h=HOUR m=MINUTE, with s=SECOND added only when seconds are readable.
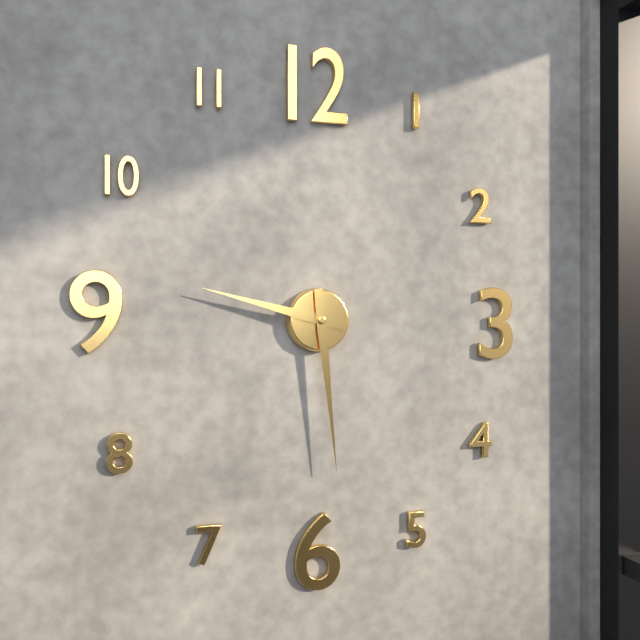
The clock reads h=9 m=29
